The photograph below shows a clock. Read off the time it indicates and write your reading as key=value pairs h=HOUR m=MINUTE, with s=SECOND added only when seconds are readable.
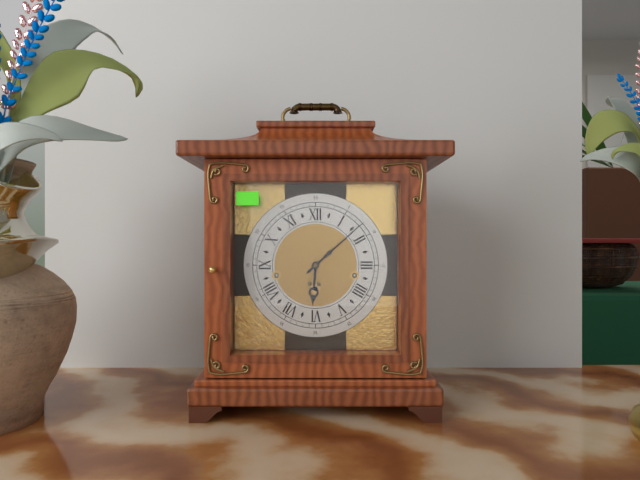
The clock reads h=6 m=8
